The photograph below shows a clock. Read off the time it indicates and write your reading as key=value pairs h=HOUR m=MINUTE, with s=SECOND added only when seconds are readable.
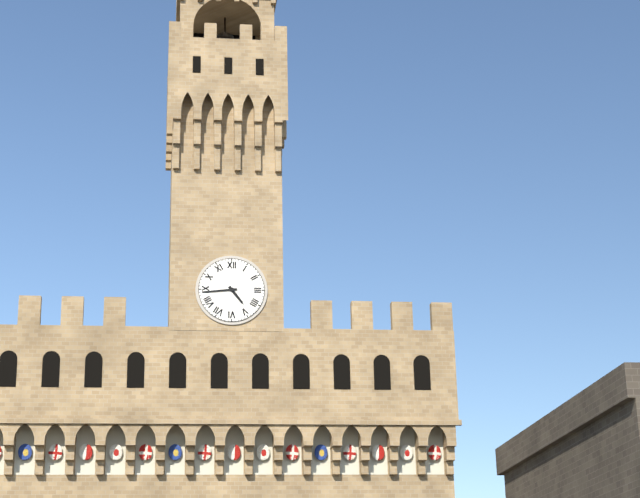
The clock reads h=4 m=44
